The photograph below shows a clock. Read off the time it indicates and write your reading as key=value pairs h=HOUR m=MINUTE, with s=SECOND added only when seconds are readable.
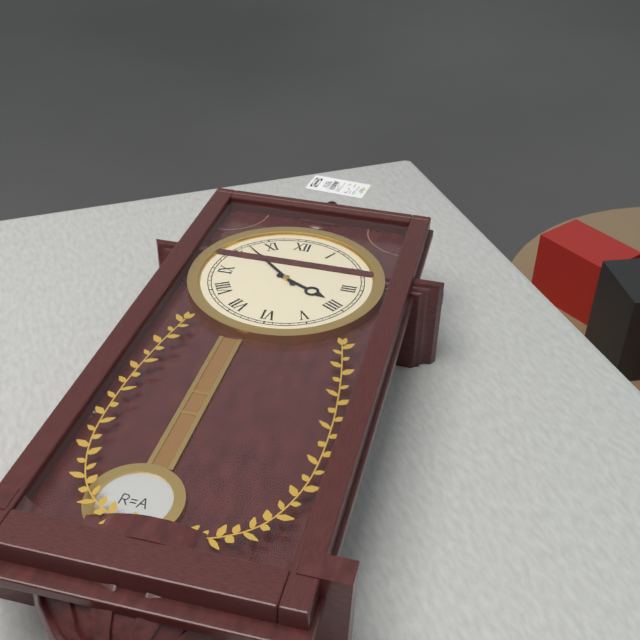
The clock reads h=3 m=52
